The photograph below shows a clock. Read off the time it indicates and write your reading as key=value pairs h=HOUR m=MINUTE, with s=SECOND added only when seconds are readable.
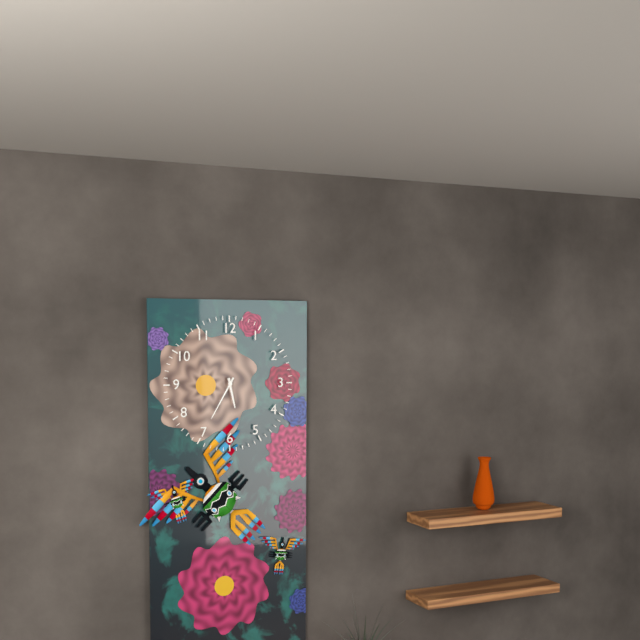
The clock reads h=5 m=35
